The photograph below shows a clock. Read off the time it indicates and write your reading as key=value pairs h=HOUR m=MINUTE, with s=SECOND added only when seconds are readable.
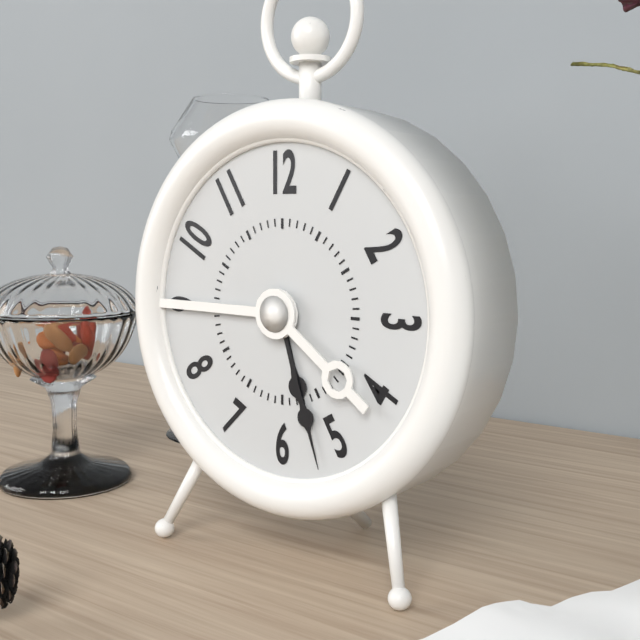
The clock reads h=5 m=27
